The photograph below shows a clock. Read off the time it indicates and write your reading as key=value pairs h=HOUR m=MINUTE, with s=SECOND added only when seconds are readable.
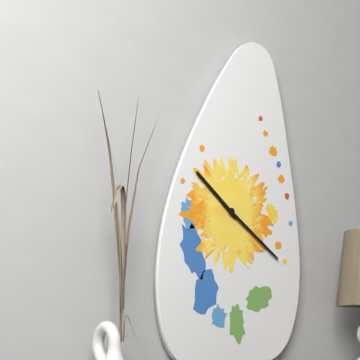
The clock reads h=10 m=21
